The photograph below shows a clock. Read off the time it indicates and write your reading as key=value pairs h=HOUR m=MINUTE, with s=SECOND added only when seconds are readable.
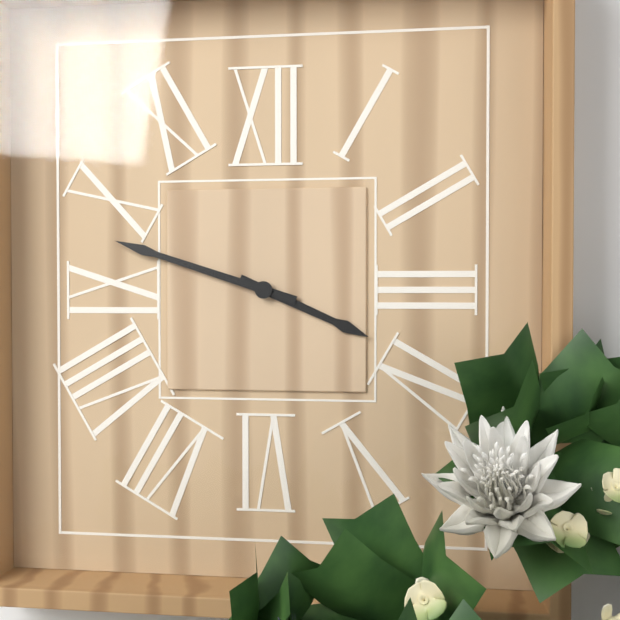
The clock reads h=3 m=48
